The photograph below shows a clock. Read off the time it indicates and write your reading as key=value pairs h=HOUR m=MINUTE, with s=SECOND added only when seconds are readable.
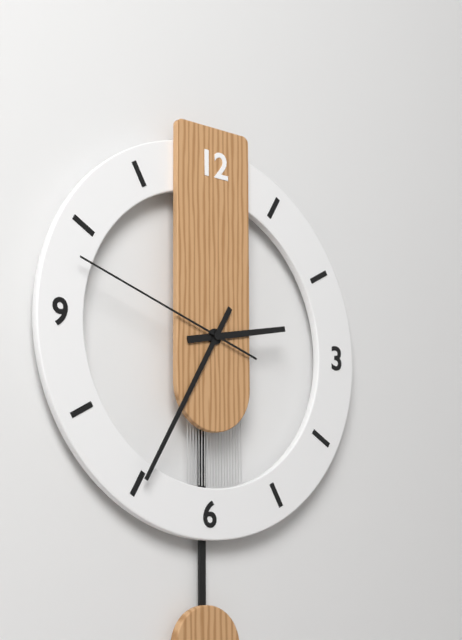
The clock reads h=2 m=35 s=48
